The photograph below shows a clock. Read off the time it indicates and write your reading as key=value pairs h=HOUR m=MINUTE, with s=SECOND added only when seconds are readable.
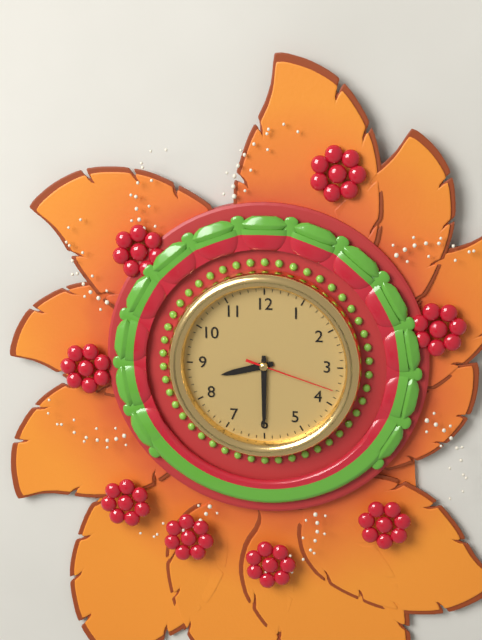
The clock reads h=8 m=30 s=18
